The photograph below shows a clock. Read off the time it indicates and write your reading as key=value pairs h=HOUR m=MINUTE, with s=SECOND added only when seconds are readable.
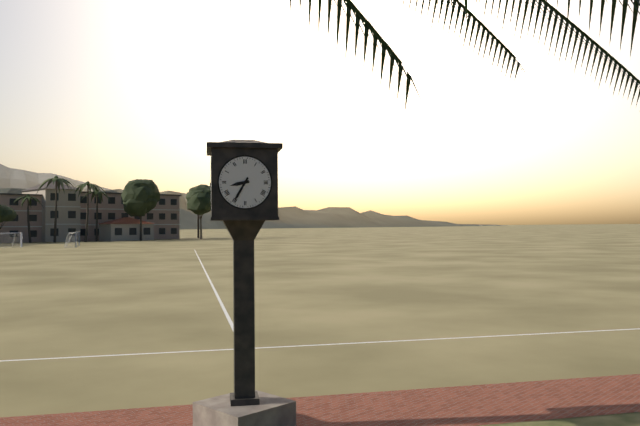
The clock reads h=8 m=35
